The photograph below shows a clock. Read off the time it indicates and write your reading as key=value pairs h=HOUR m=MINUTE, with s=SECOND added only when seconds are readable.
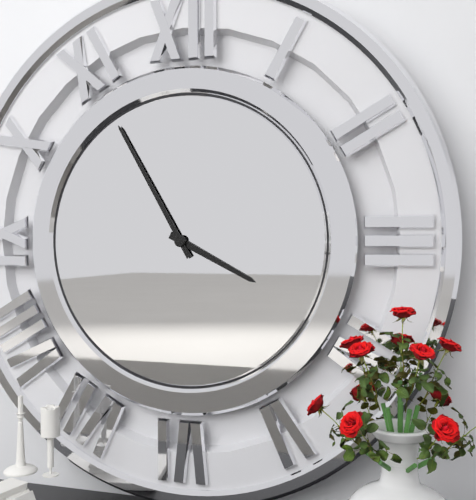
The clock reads h=3 m=55
